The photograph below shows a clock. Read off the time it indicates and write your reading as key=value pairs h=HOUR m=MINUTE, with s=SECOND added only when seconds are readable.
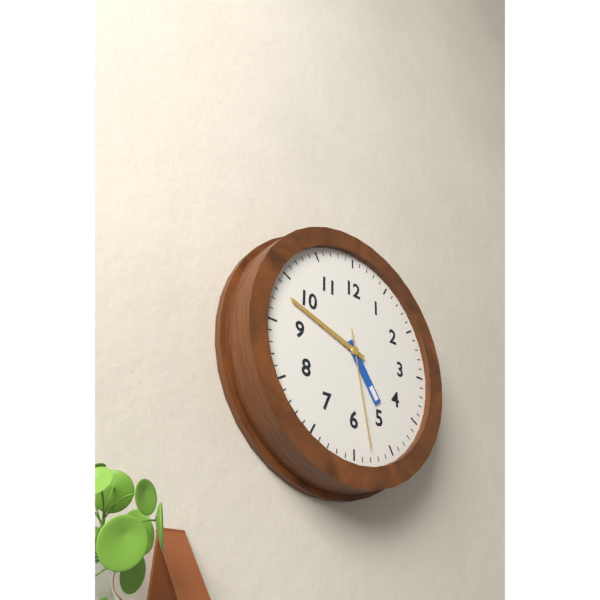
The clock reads h=4 m=48 s=28
